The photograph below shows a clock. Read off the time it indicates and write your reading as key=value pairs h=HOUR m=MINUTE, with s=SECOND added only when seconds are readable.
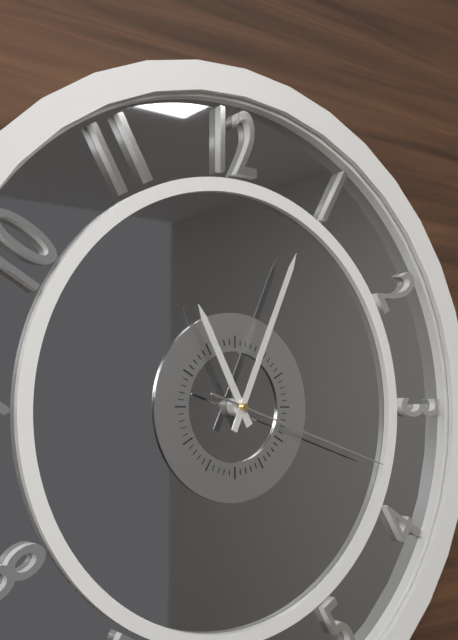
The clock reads h=11 m=4 s=18
